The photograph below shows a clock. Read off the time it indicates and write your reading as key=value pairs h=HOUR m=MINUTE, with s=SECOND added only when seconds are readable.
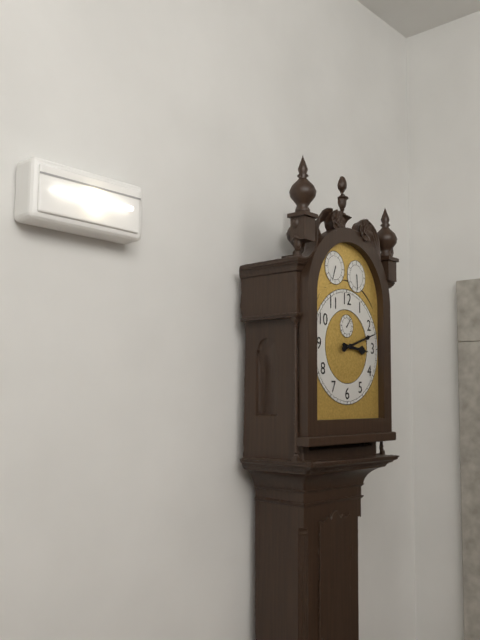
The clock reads h=3 m=12
